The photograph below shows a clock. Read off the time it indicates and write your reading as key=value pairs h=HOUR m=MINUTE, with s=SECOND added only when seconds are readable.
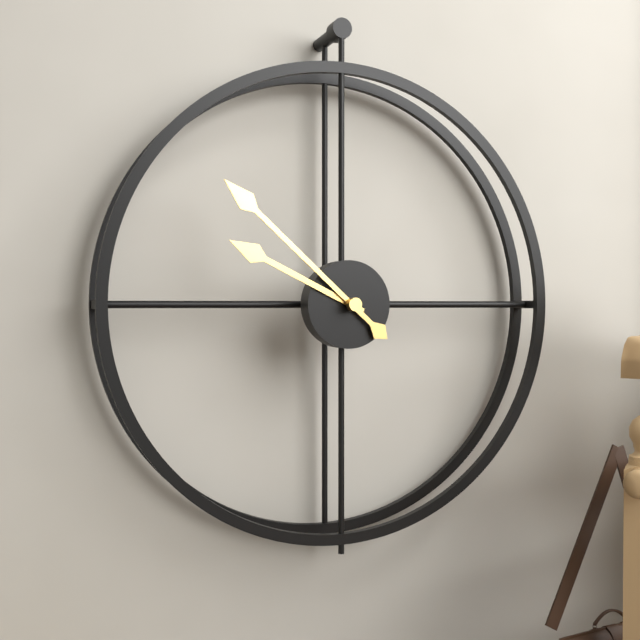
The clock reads h=9 m=52
